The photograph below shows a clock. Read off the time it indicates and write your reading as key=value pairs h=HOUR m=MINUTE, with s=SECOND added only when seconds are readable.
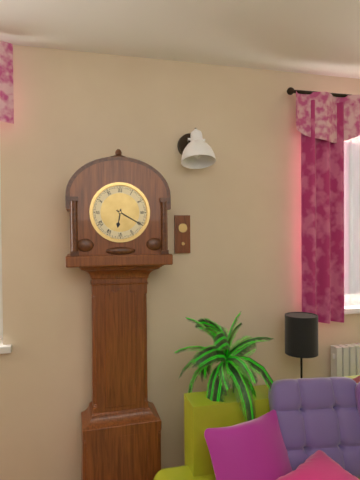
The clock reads h=6 m=20
